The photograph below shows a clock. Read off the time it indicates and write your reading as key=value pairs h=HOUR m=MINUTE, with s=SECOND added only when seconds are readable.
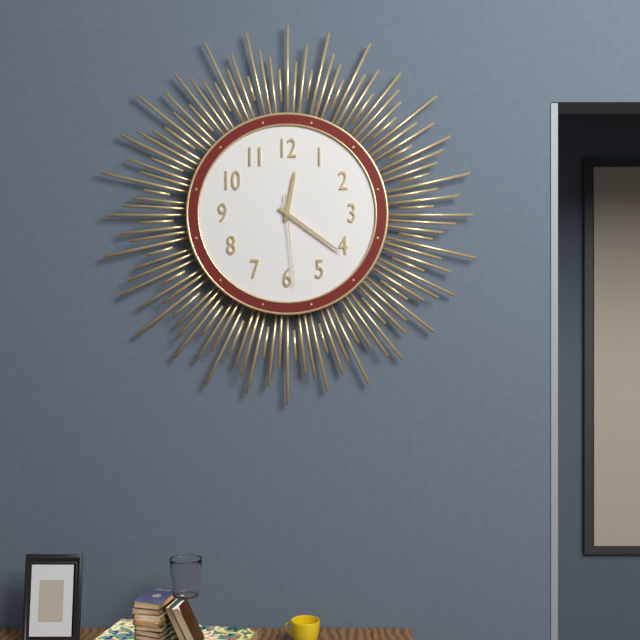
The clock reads h=12 m=21 s=29
